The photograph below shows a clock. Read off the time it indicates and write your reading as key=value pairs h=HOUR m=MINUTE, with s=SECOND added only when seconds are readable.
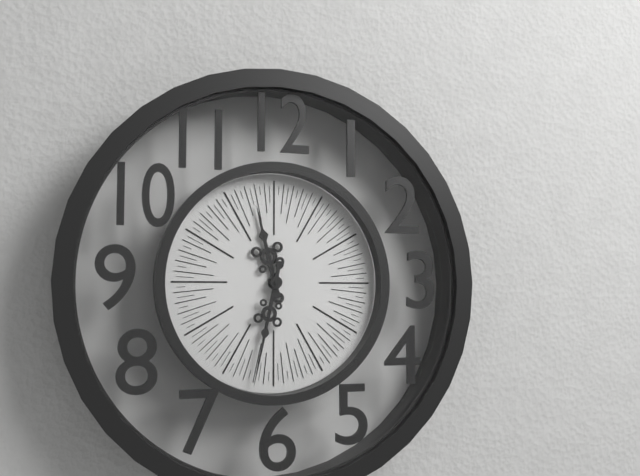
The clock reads h=11 m=32
